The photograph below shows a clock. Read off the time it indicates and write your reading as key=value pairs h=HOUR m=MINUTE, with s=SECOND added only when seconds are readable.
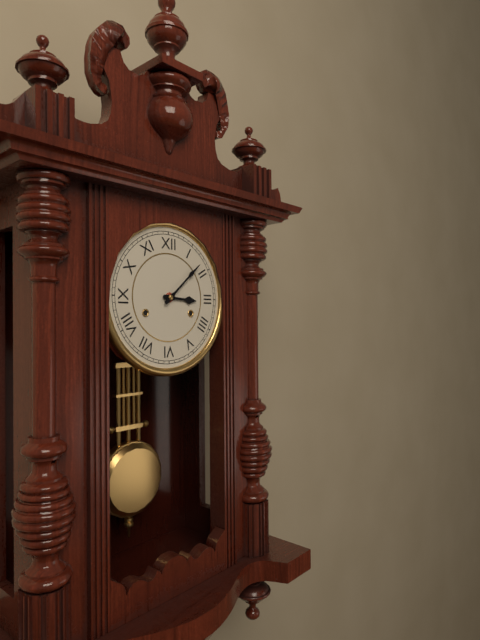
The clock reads h=3 m=8
